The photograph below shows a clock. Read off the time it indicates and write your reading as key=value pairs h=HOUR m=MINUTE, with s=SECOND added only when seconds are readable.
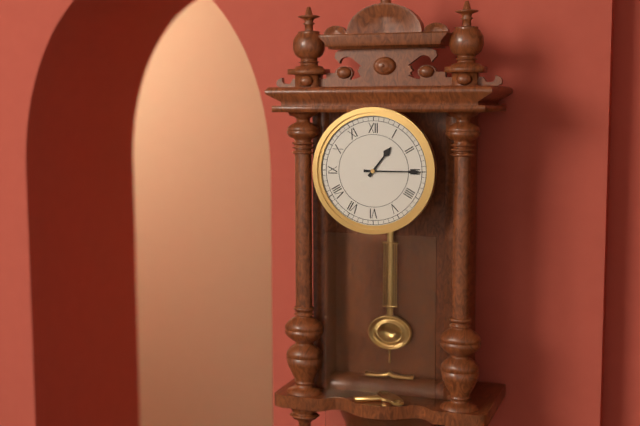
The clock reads h=1 m=15
